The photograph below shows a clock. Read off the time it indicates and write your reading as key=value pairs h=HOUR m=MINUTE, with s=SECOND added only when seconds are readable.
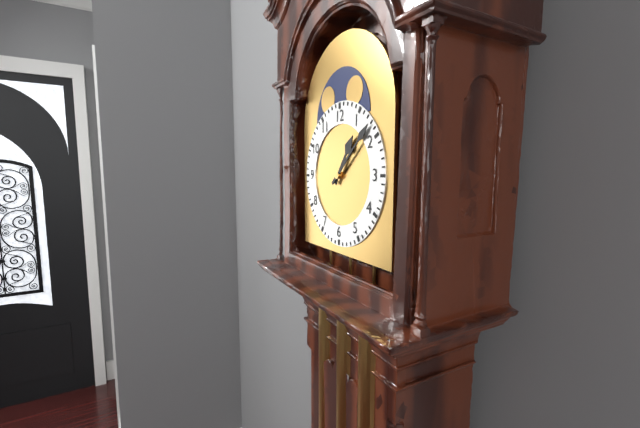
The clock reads h=1 m=8
